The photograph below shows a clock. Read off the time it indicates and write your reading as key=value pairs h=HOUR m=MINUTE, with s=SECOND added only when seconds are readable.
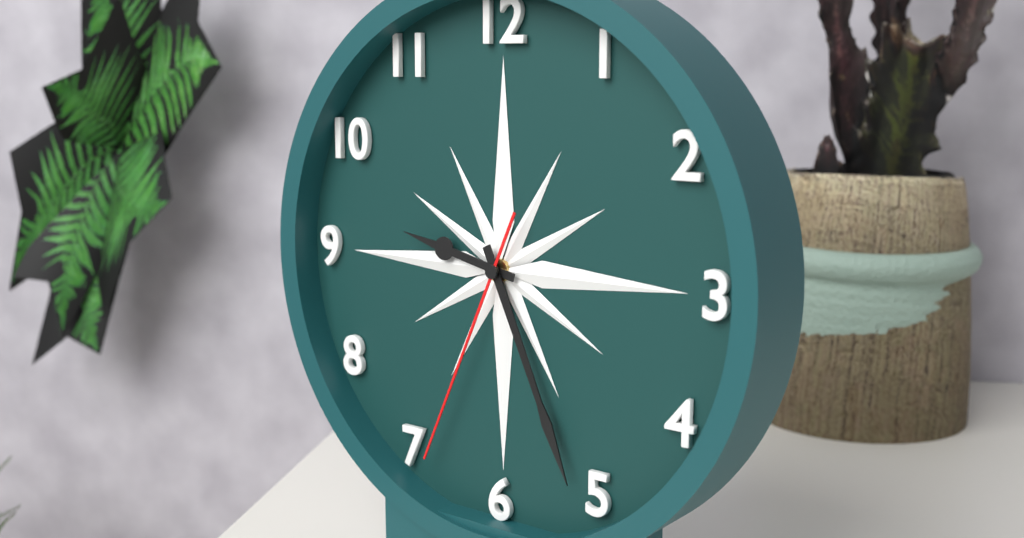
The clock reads h=9 m=26 s=34
